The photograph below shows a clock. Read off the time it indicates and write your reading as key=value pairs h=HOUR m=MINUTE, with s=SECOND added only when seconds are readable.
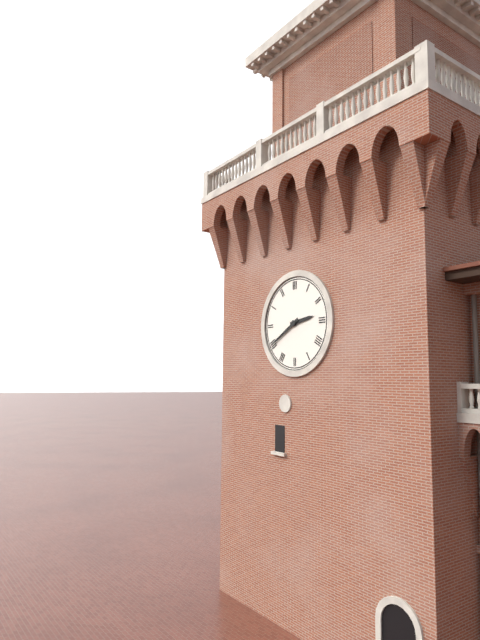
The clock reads h=2 m=40
